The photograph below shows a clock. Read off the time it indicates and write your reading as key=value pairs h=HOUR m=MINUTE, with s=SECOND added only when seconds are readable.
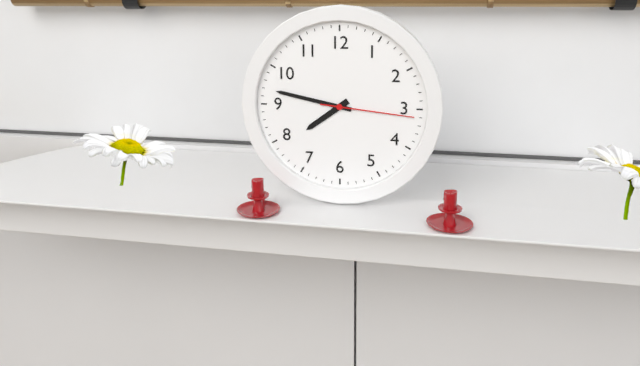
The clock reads h=7 m=47 s=16
